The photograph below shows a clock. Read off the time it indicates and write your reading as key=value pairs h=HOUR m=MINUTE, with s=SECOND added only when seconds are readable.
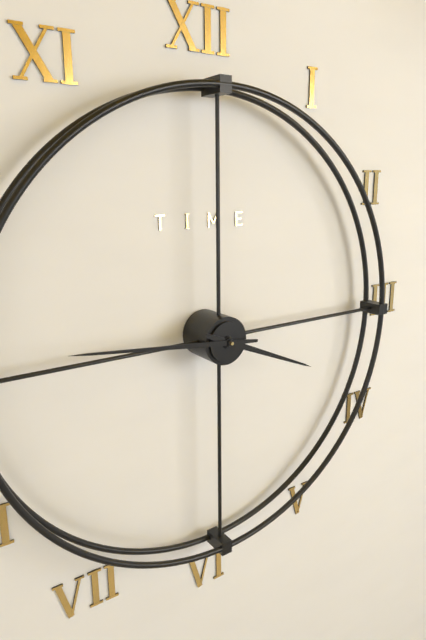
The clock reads h=3 m=46
